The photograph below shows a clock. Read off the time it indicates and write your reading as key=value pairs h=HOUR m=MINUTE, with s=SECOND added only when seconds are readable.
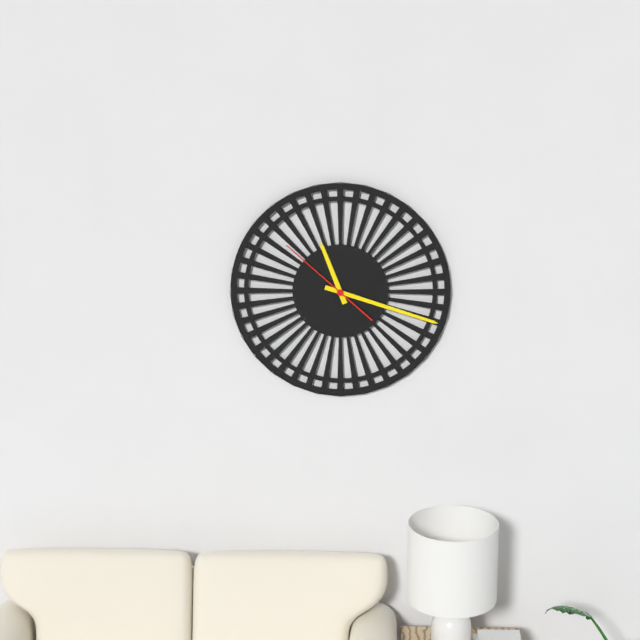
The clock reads h=11 m=18 s=52
